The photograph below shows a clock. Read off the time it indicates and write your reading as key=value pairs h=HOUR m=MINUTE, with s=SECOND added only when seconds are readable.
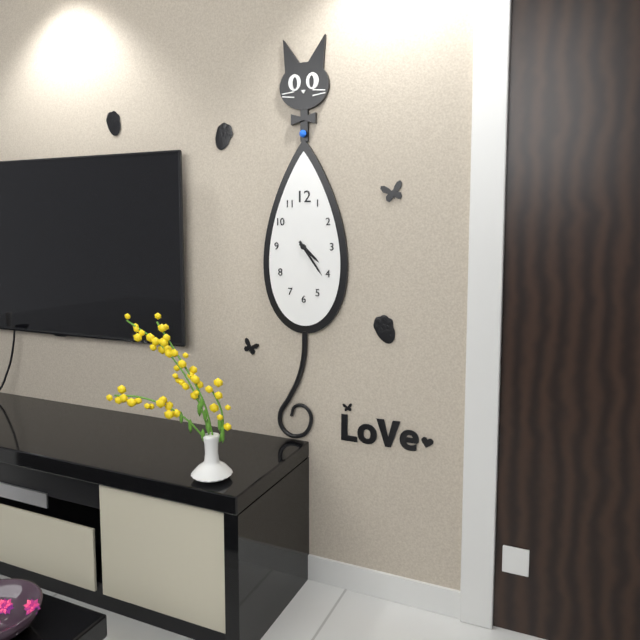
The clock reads h=4 m=24
